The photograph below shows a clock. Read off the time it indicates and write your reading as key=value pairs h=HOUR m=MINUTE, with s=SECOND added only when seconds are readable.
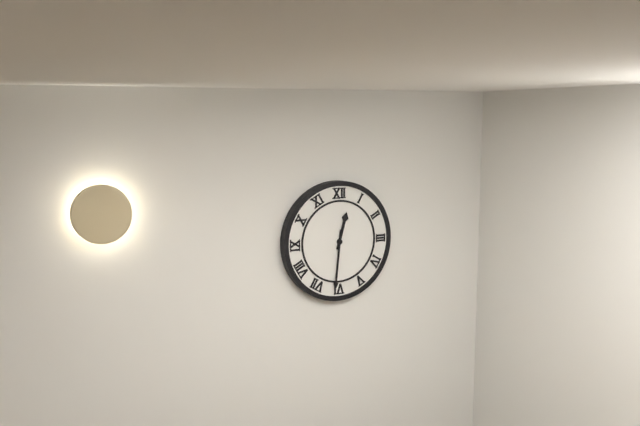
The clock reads h=12 m=31
